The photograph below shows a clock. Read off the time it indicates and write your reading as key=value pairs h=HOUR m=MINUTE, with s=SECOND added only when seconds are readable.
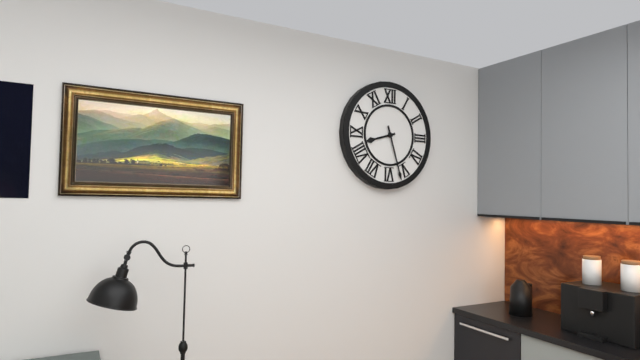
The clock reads h=8 m=27
